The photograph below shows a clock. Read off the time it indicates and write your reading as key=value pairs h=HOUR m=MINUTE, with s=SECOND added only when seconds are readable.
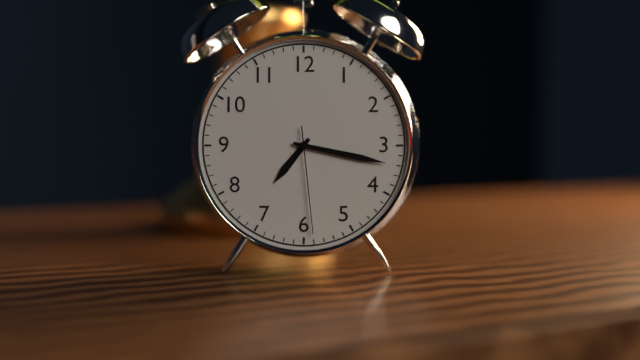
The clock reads h=7 m=17 s=29
